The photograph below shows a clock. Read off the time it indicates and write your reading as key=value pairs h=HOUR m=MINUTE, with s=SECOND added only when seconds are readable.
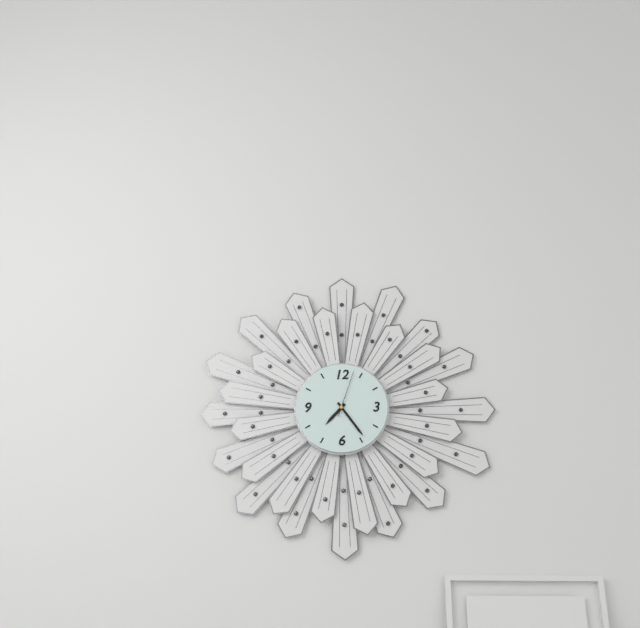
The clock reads h=7 m=24
